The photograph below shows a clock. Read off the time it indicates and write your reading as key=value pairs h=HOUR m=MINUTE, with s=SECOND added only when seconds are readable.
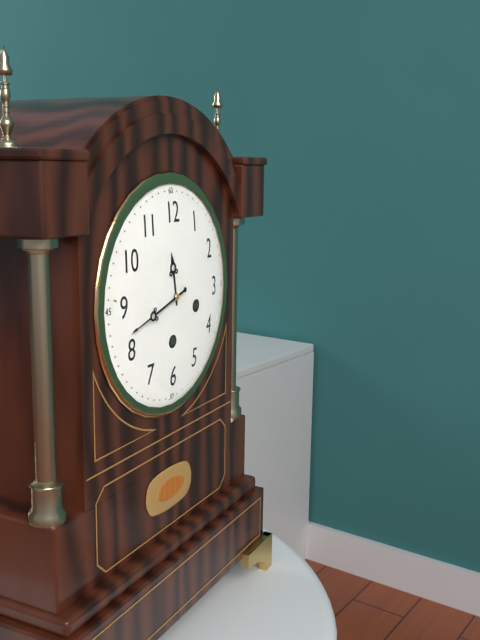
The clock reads h=11 m=42
